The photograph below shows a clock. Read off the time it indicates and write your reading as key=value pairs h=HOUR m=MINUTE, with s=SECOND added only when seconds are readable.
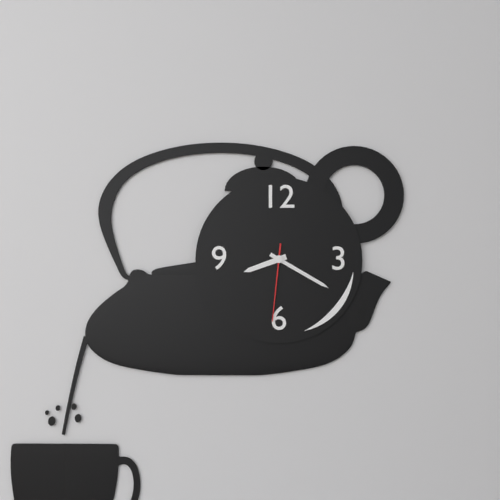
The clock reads h=8 m=20 s=31
